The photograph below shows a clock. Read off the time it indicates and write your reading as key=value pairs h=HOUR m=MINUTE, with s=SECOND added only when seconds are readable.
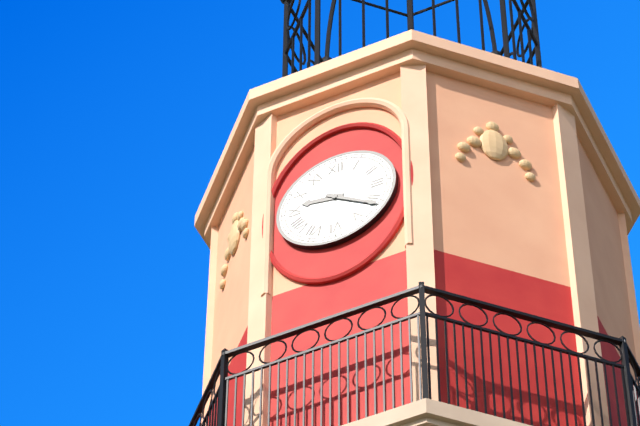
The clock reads h=9 m=21
